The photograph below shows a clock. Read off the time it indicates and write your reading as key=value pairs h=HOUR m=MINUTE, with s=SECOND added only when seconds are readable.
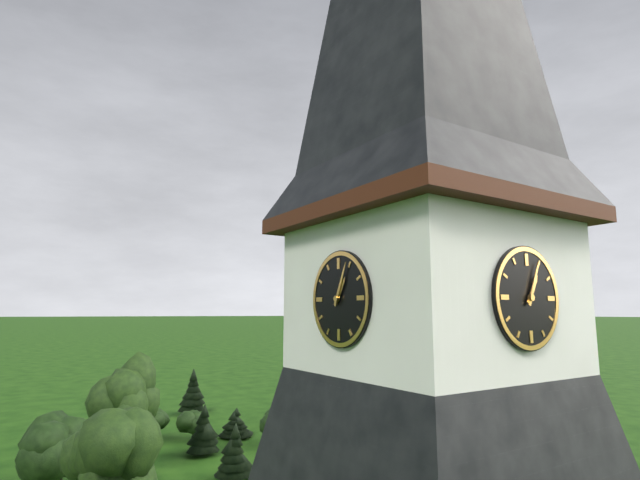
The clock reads h=1 m=4
